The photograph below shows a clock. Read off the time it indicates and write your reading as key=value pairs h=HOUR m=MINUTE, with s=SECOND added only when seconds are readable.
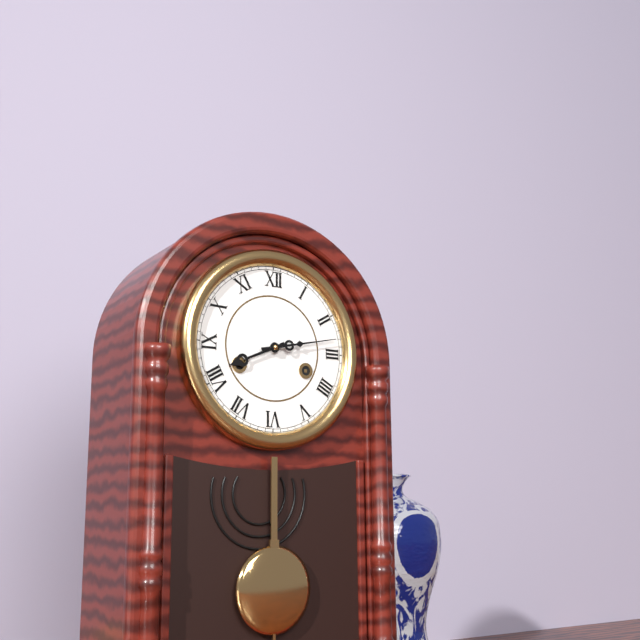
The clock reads h=8 m=13
